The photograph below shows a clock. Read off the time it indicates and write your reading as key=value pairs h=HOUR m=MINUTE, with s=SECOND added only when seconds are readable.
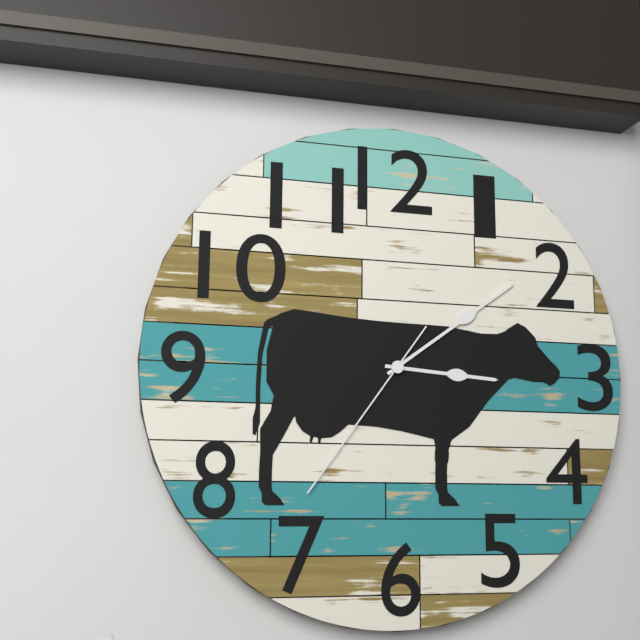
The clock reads h=3 m=9 s=36
